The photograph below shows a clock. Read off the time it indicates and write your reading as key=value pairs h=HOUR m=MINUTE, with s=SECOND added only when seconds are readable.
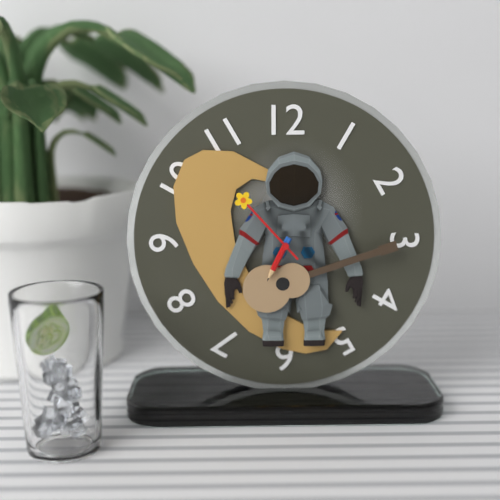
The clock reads h=6 m=53
